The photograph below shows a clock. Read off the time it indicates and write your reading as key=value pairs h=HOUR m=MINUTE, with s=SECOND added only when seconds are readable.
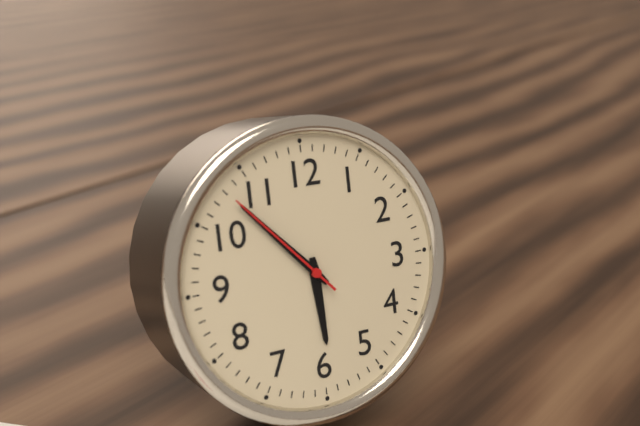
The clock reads h=5 m=53 s=53
